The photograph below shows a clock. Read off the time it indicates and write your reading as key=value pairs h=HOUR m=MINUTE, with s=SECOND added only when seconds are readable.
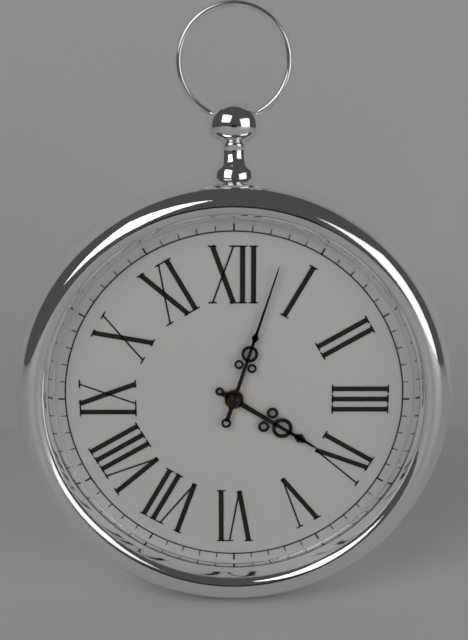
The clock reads h=4 m=3
